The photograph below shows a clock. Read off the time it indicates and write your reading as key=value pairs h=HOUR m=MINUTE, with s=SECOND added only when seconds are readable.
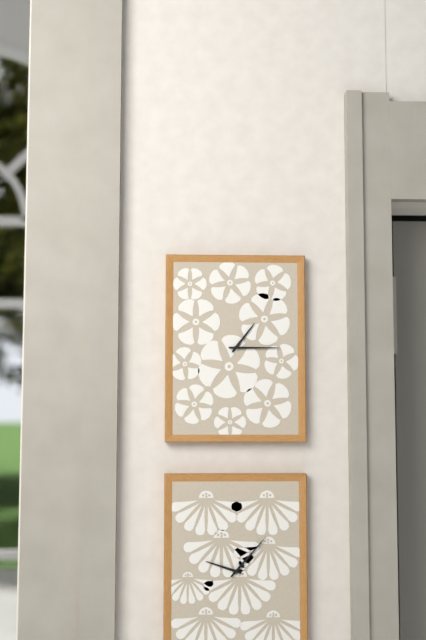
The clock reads h=1 m=15
